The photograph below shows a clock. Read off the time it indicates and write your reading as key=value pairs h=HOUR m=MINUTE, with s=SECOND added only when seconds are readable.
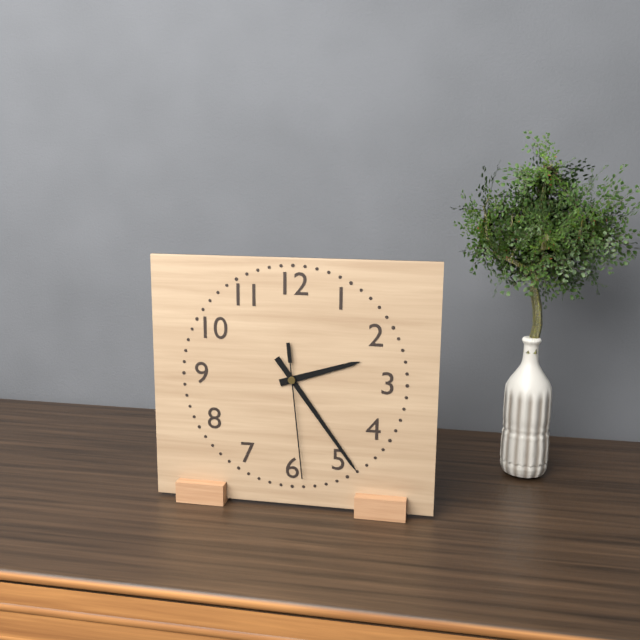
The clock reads h=2 m=24 s=29
